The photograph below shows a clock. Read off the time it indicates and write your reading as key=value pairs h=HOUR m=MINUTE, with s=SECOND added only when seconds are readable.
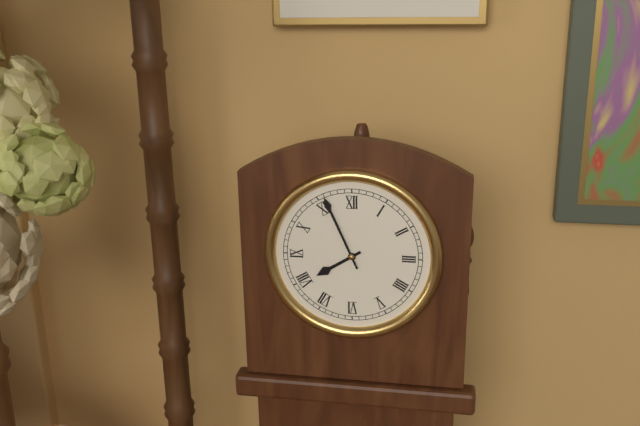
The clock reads h=7 m=56
